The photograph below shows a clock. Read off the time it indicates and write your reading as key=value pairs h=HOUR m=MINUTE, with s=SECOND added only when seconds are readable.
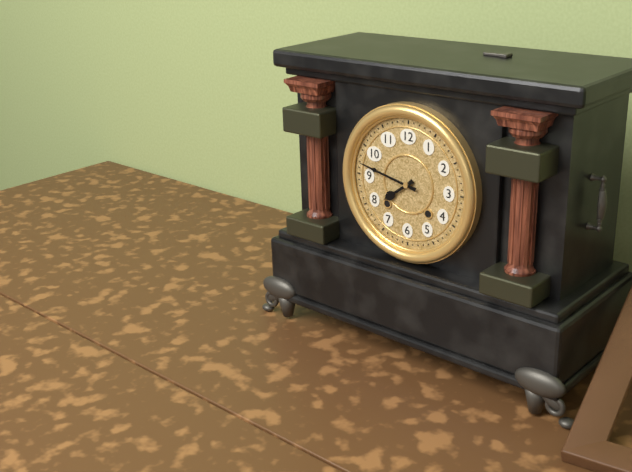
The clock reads h=7 m=47
